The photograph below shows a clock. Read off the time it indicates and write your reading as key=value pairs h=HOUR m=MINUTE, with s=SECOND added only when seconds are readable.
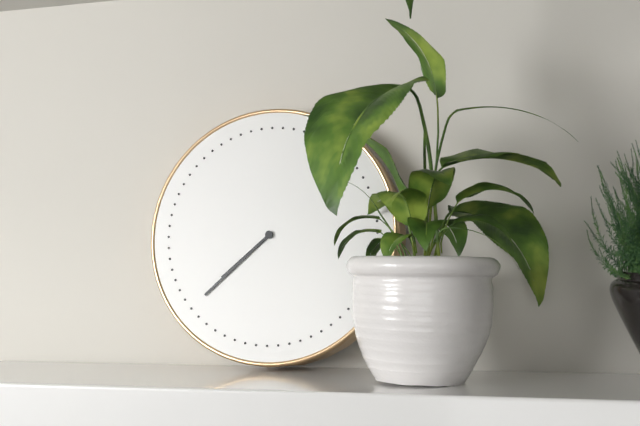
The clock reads h=7 m=38
